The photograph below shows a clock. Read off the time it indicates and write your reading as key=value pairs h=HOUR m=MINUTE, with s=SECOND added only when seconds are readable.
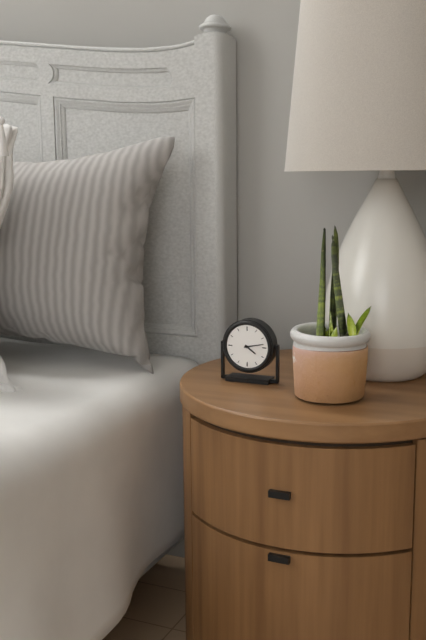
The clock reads h=4 m=13
